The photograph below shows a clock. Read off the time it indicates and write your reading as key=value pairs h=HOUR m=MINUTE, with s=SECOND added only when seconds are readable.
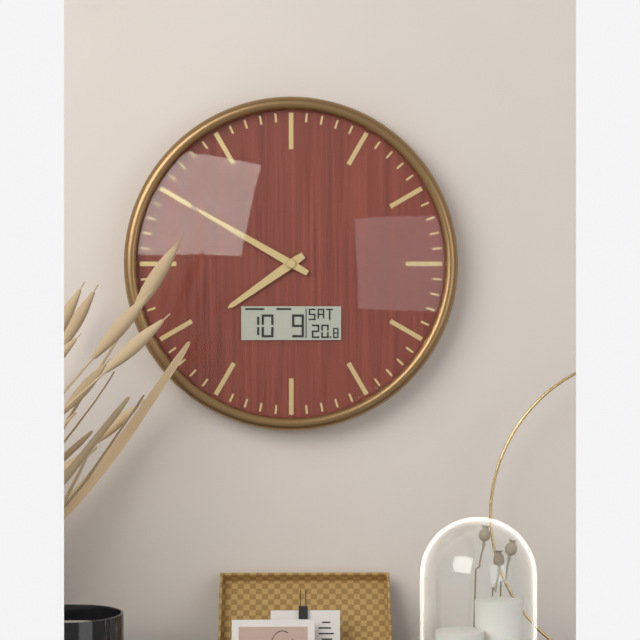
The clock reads h=7 m=50
